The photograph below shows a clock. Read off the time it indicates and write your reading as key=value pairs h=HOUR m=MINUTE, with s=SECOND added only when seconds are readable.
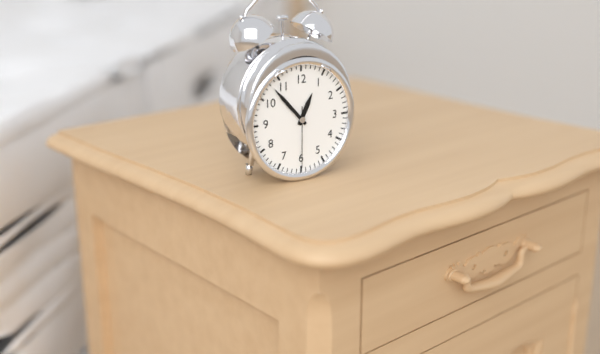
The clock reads h=12 m=53 s=30
